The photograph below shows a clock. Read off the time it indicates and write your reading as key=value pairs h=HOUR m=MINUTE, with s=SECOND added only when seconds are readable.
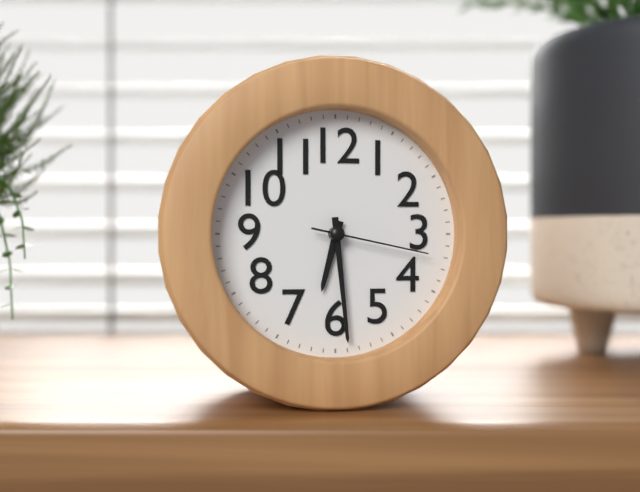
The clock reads h=6 m=29 s=17
